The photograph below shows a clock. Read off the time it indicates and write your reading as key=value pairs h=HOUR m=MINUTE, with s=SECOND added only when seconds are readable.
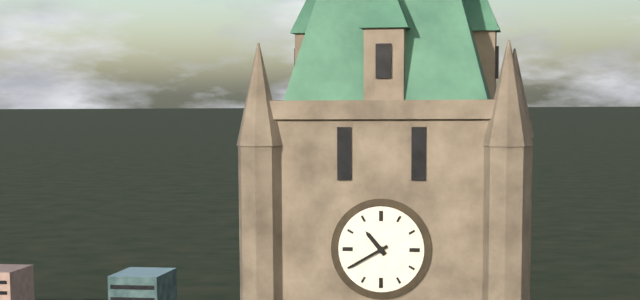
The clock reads h=10 m=40
